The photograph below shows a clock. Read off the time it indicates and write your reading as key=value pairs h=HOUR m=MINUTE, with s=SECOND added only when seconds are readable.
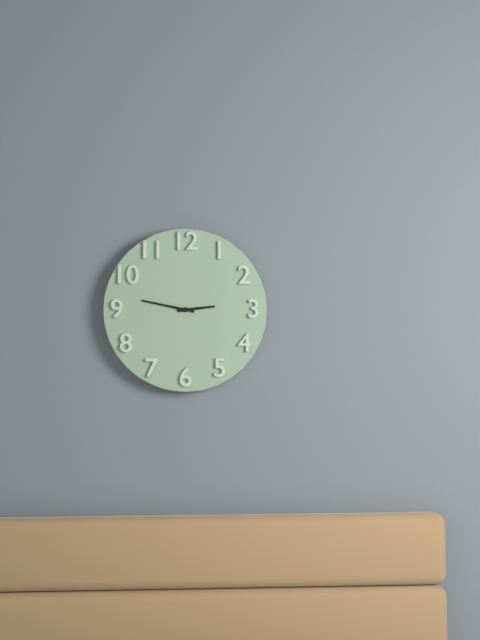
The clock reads h=2 m=47
